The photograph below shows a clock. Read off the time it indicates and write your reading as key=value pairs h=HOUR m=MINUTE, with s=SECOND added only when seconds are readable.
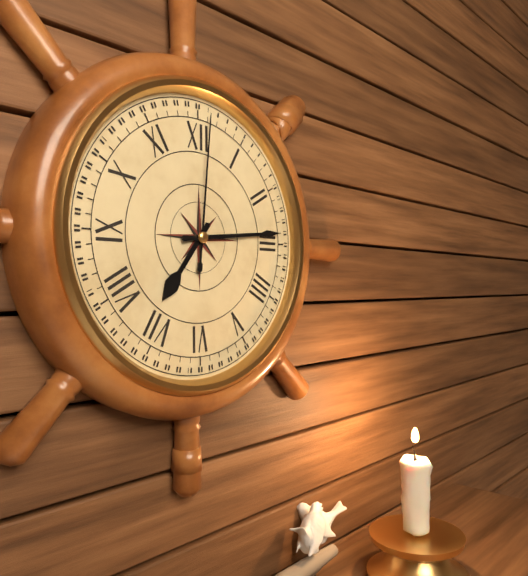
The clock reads h=7 m=14 s=1
